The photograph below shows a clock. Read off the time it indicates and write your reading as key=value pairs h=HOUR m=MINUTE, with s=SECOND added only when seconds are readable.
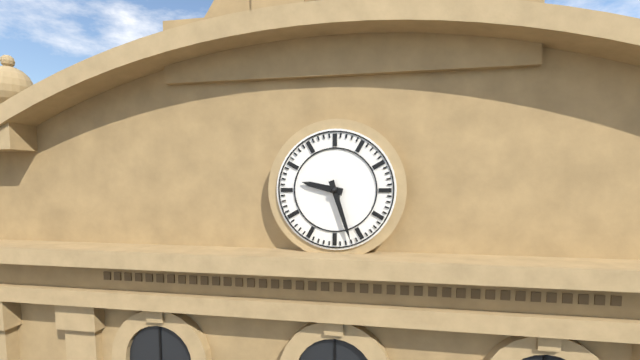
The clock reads h=9 m=27
